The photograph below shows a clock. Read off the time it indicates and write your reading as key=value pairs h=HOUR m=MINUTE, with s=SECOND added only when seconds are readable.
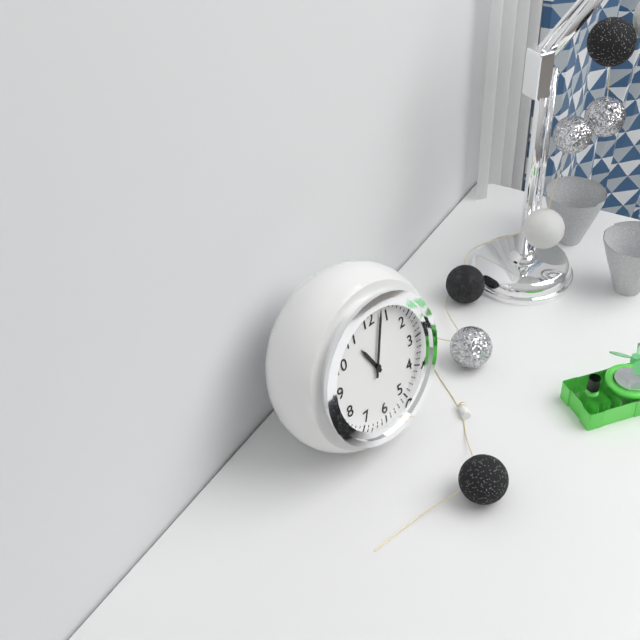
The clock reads h=11 m=3
